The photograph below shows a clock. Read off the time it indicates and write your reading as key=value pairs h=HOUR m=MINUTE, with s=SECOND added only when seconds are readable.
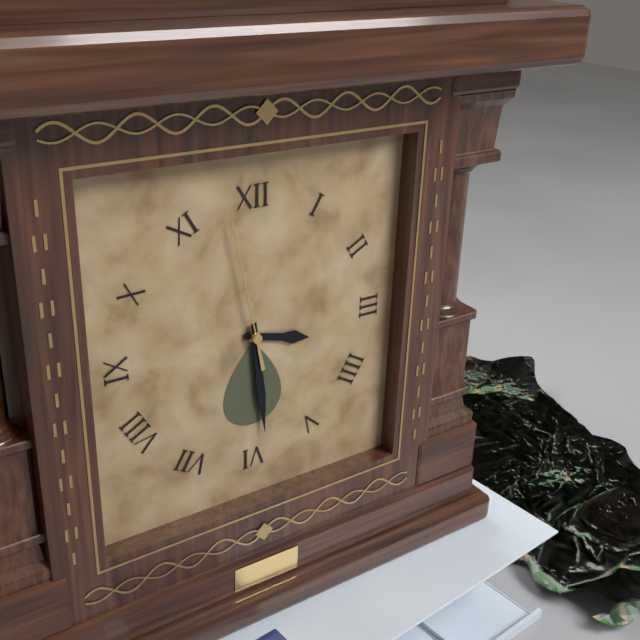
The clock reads h=3 m=29 s=58
